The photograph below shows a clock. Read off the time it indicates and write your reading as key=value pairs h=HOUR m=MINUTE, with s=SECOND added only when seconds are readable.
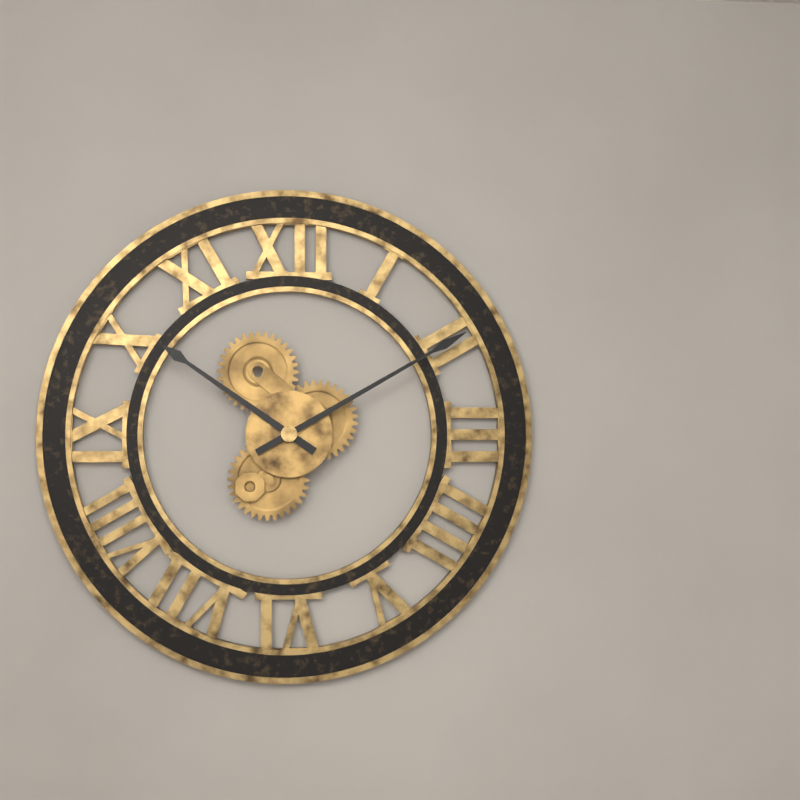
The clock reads h=10 m=10
